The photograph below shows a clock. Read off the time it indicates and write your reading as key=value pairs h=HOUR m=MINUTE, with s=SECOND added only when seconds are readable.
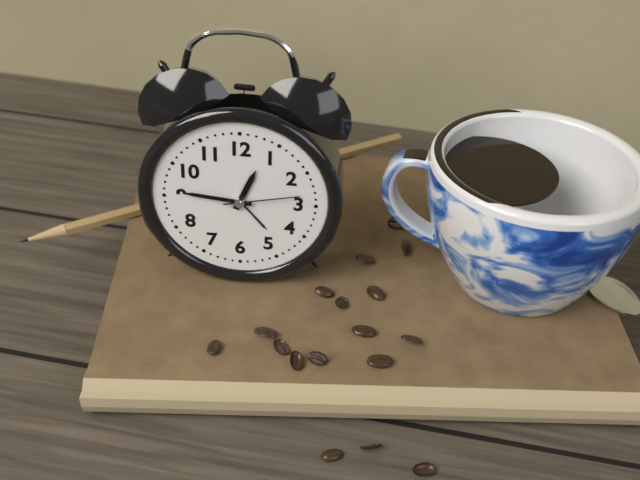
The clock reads h=12 m=46 s=13
